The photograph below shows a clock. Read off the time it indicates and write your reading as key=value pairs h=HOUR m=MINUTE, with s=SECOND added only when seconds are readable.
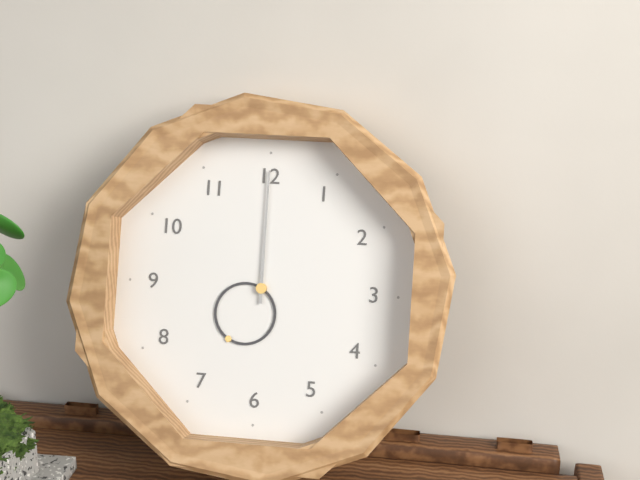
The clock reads h=7 m=0
